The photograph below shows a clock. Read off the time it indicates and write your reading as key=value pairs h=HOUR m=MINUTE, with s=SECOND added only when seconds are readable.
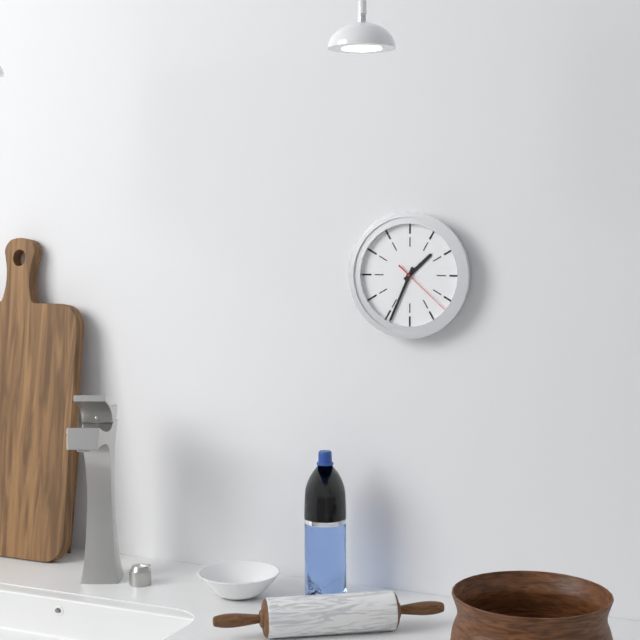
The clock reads h=1 m=34 s=22
